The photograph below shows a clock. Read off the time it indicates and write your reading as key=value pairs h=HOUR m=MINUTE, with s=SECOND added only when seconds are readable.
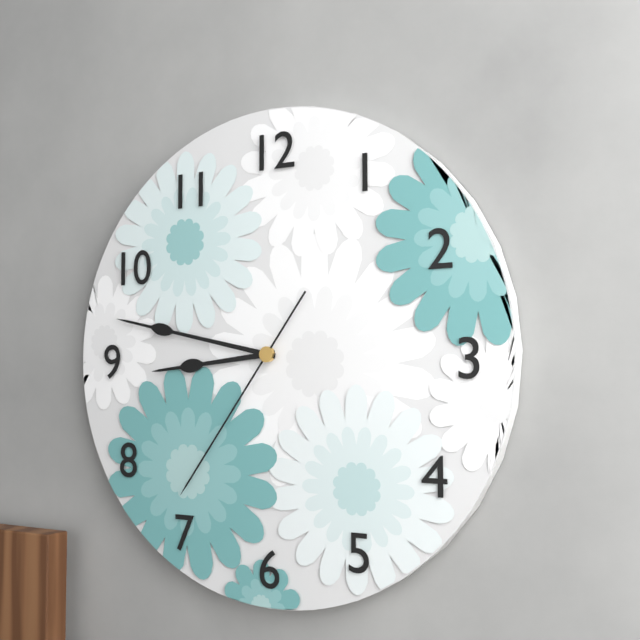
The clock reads h=8 m=47 s=36
